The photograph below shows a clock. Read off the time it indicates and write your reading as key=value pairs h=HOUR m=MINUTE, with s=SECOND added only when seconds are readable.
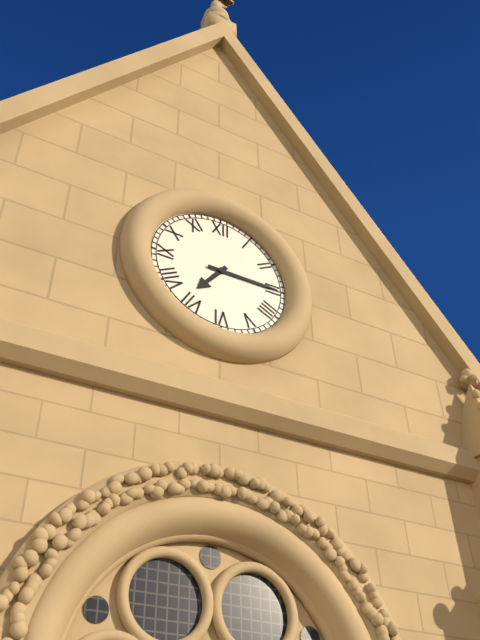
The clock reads h=7 m=15
